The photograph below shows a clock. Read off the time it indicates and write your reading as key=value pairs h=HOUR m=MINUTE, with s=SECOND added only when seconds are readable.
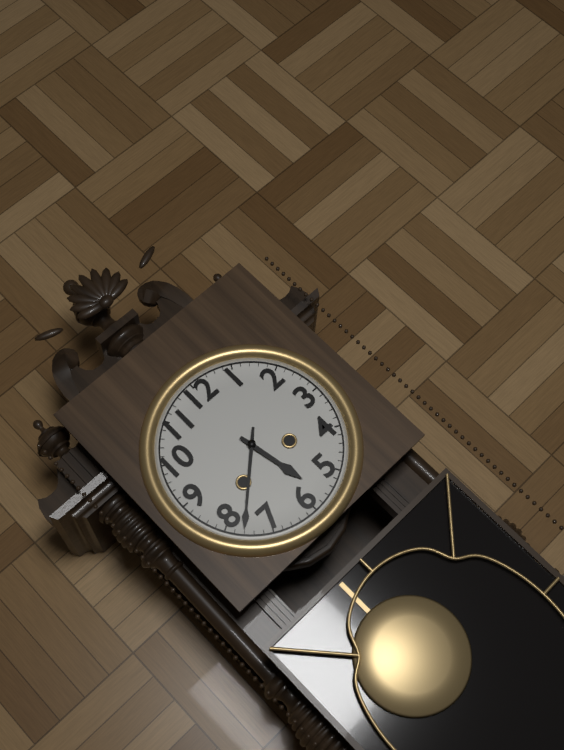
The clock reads h=5 m=38
